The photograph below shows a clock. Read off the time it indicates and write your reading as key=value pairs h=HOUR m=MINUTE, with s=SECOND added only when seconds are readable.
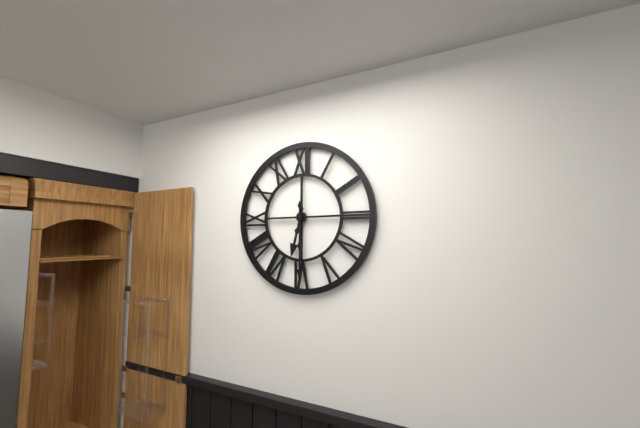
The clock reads h=6 m=30
